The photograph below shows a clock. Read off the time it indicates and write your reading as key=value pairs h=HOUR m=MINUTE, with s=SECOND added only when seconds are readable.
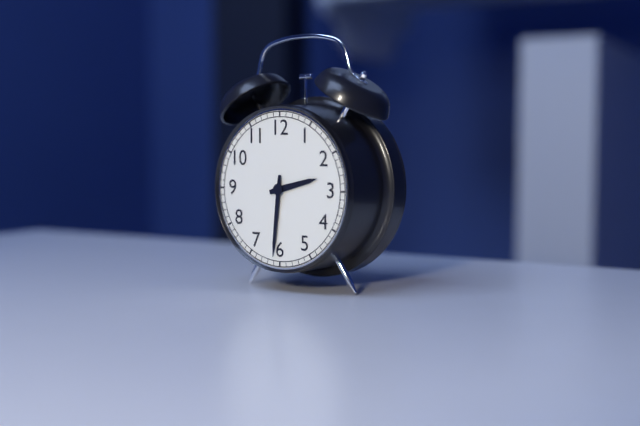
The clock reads h=2 m=31
